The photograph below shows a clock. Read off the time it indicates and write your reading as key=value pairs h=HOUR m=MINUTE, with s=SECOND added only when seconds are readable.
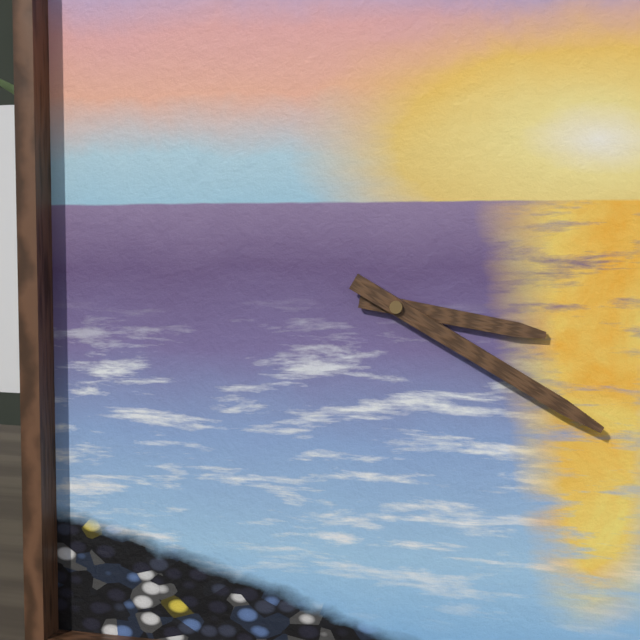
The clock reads h=3 m=20
